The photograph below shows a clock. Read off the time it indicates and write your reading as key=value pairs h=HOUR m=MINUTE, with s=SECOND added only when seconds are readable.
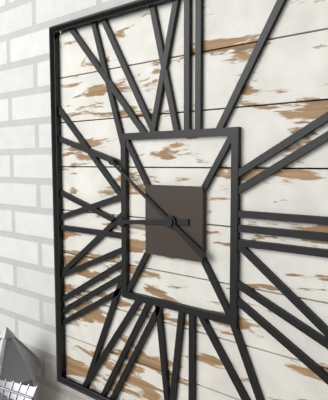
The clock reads h=8 m=51
